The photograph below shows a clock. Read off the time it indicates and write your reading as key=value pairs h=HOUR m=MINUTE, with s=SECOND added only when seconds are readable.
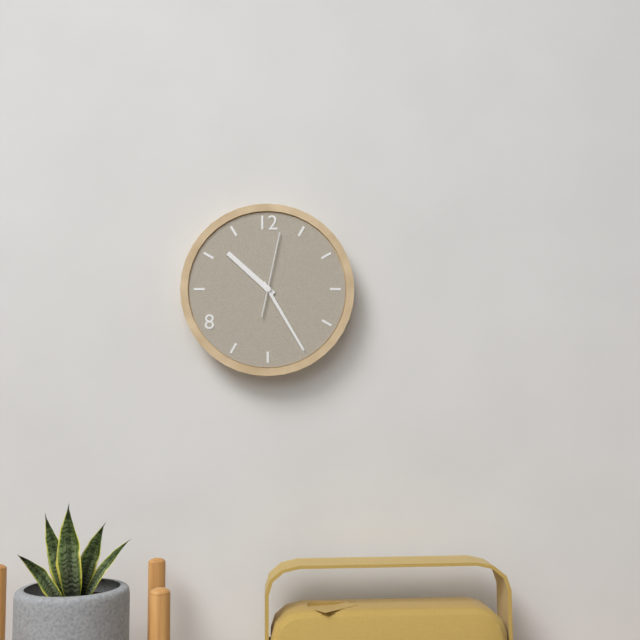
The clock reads h=10 m=25 s=2
